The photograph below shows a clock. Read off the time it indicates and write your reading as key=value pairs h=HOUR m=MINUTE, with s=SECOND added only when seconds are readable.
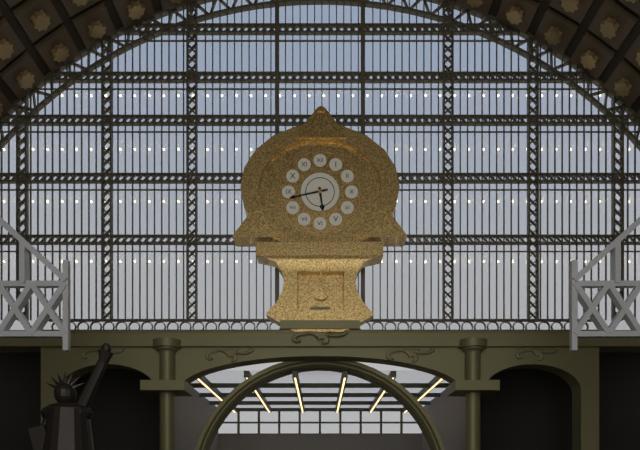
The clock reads h=5 m=43
